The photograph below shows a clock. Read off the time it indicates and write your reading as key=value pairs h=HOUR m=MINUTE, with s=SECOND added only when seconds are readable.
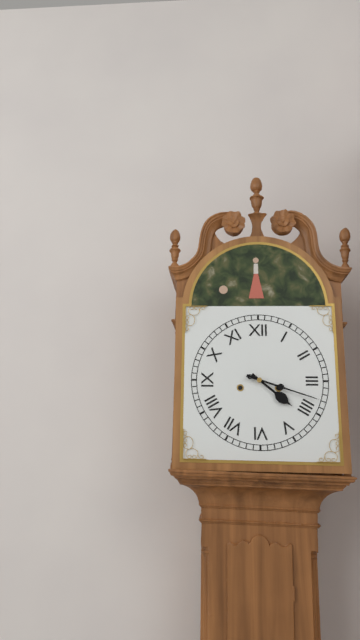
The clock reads h=4 m=18
